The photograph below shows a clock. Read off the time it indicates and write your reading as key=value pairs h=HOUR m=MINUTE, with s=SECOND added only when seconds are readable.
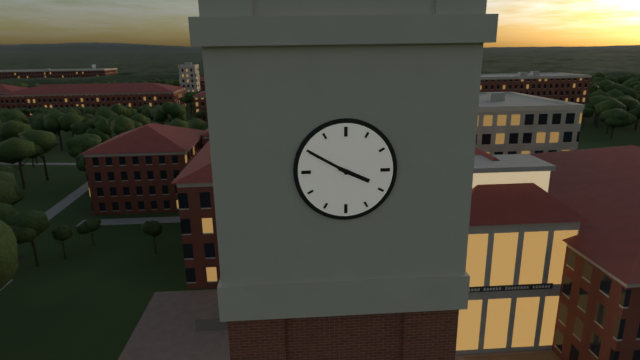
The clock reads h=3 m=50
